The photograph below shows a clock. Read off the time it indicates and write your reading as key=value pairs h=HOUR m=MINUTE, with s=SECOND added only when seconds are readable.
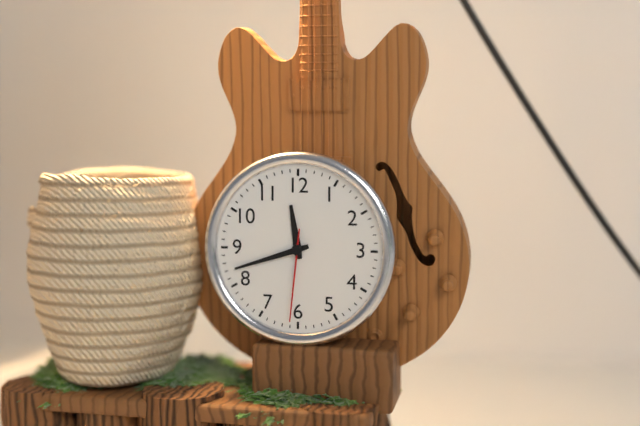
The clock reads h=11 m=42 s=31
